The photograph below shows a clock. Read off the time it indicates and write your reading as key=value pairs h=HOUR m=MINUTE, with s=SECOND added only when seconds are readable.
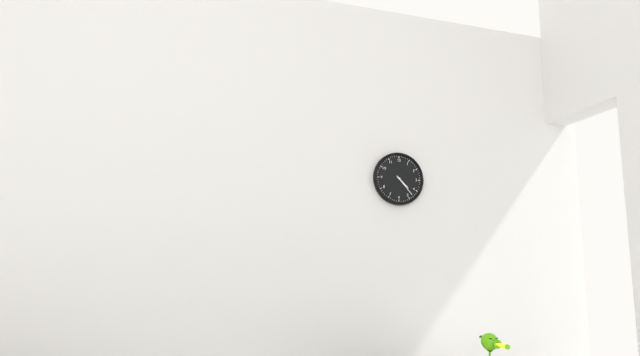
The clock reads h=4 m=23
